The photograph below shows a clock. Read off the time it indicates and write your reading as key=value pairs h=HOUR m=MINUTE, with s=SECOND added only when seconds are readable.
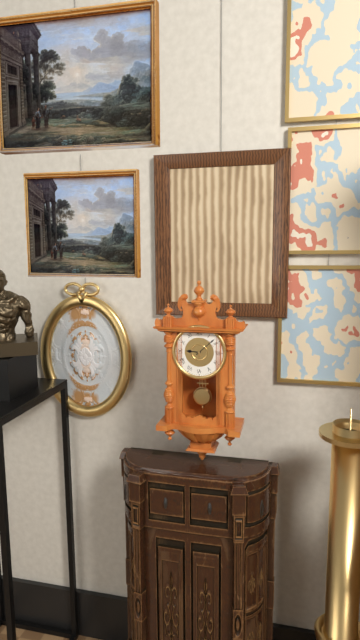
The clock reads h=9 m=8
